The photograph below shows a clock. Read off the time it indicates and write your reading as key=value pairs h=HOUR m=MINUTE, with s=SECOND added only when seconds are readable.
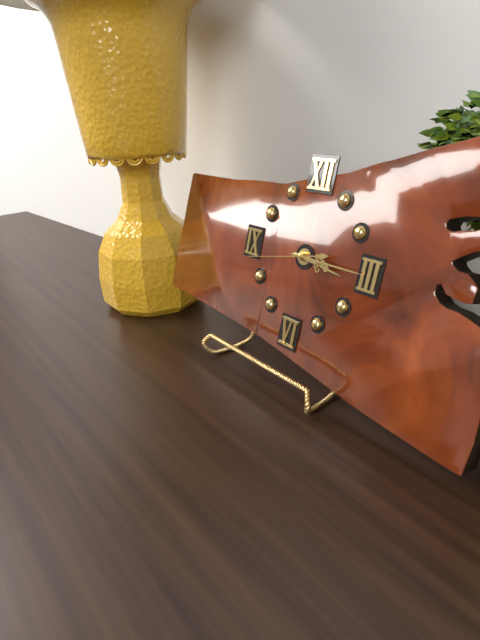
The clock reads h=3 m=15 s=43
